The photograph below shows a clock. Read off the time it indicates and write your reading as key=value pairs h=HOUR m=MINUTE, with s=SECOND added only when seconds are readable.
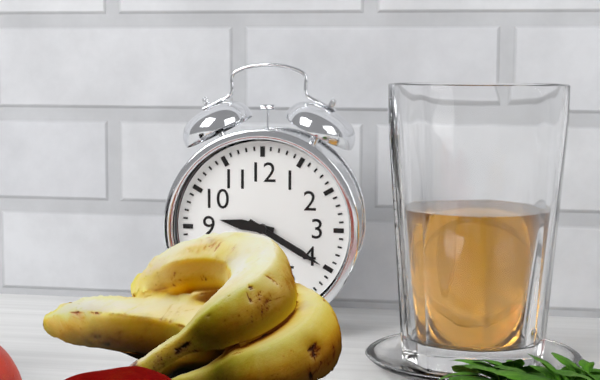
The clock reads h=9 m=20
